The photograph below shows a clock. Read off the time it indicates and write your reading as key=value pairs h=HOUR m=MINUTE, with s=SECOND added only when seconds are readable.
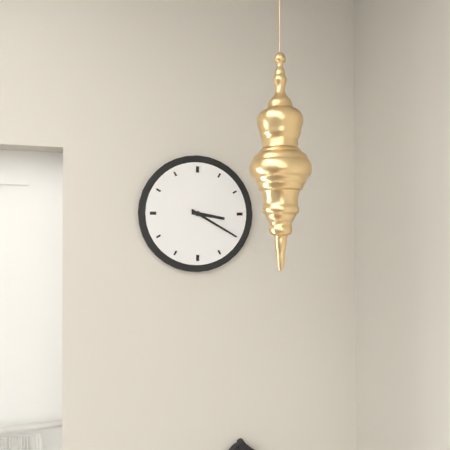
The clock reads h=3 m=20
